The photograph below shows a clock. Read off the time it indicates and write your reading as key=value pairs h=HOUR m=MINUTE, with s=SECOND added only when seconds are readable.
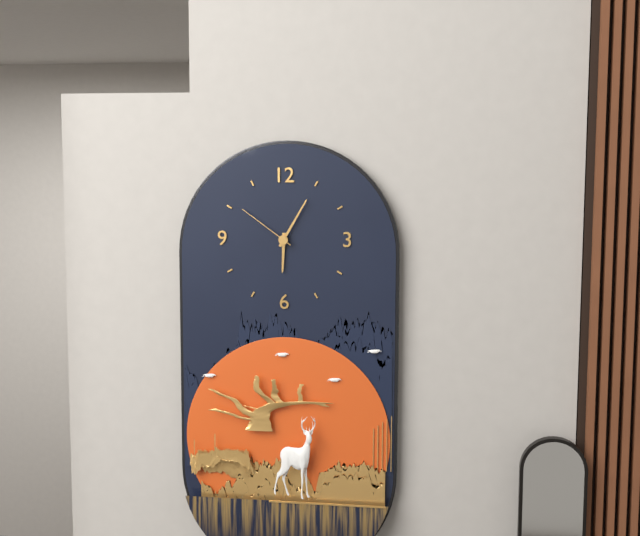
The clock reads h=6 m=5 s=51
